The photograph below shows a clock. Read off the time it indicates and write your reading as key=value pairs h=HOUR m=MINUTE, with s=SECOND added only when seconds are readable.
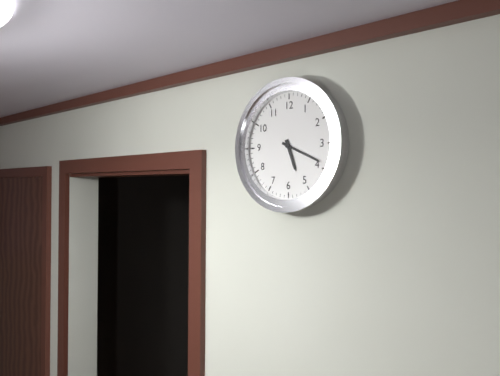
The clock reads h=5 m=19
